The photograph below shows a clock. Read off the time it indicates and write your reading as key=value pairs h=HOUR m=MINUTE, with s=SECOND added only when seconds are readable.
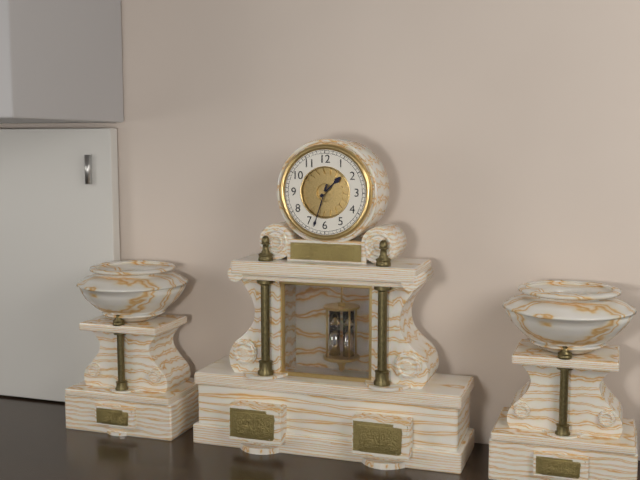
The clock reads h=1 m=33
